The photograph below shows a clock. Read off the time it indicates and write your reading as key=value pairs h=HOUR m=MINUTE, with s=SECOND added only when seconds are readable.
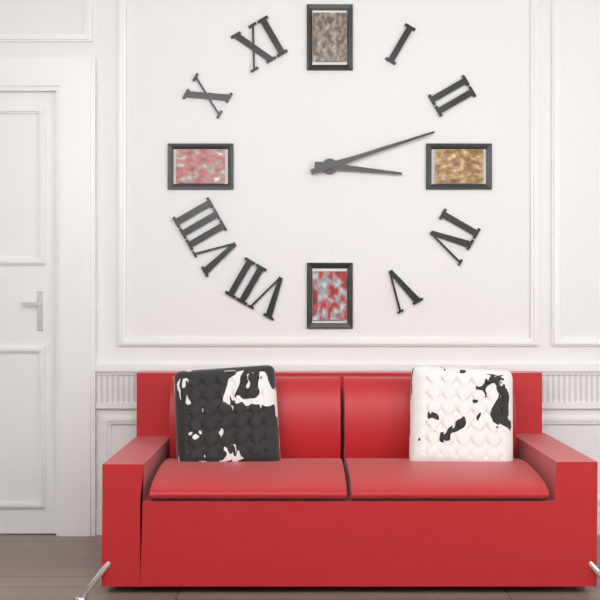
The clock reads h=3 m=12
